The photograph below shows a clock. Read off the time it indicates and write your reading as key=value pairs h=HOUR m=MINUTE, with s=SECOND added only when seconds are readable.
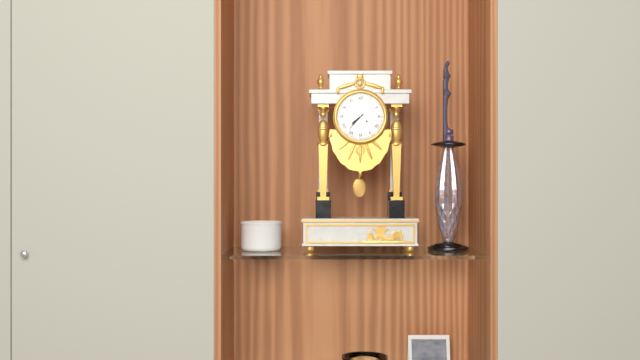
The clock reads h=7 m=37
